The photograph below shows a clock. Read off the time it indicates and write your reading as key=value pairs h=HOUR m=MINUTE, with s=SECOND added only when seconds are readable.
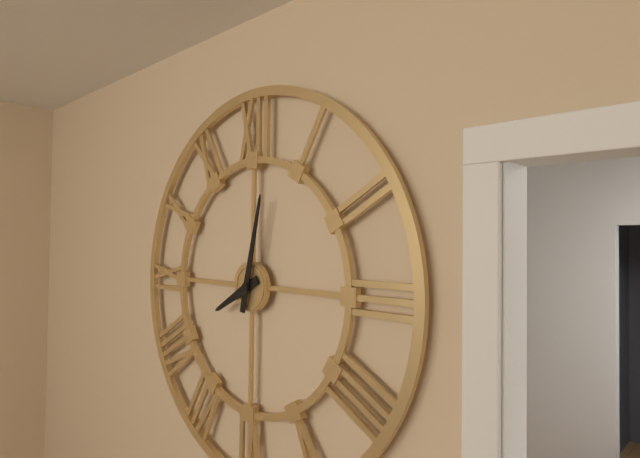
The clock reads h=8 m=2
